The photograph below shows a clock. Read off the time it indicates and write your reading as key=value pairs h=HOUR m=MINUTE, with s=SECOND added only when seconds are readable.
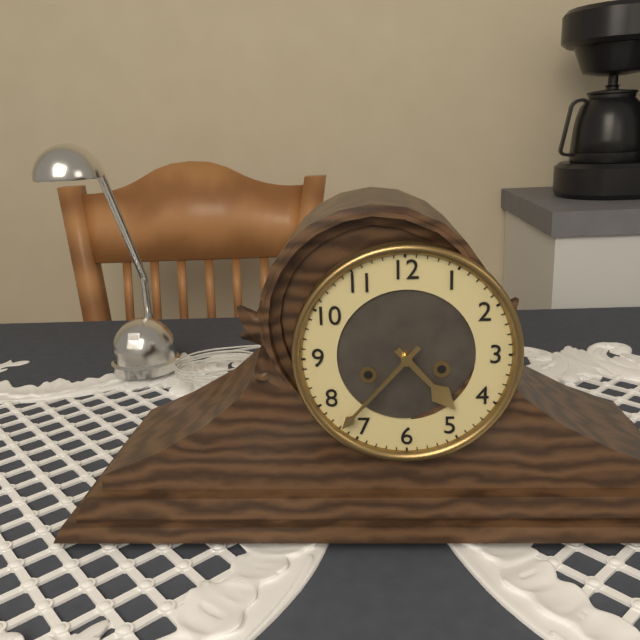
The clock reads h=4 m=37
